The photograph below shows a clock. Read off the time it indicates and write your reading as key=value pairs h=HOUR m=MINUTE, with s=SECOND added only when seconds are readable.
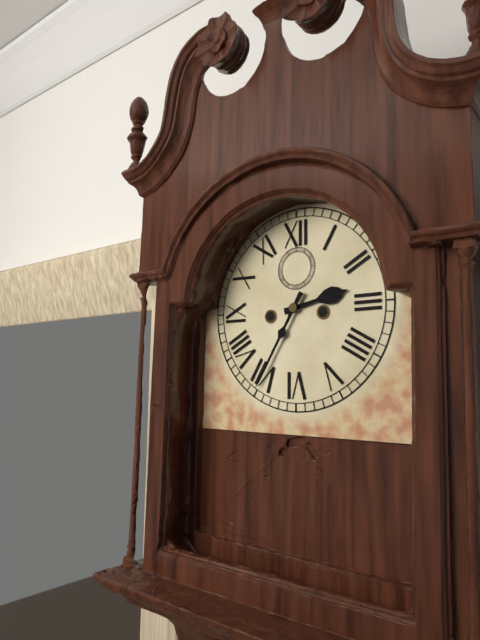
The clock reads h=2 m=35
